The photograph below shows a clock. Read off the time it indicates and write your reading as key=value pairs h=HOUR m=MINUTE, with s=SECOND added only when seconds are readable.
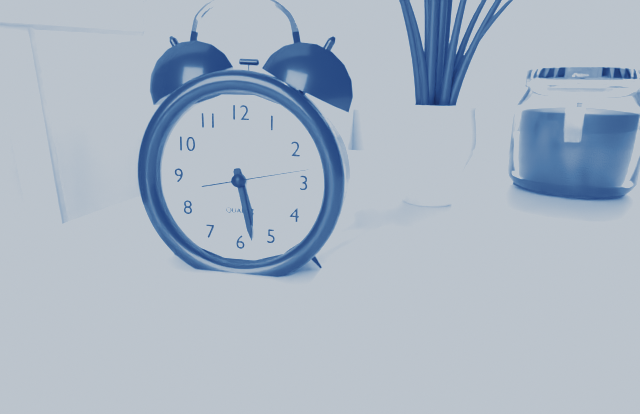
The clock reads h=5 m=28 s=13
